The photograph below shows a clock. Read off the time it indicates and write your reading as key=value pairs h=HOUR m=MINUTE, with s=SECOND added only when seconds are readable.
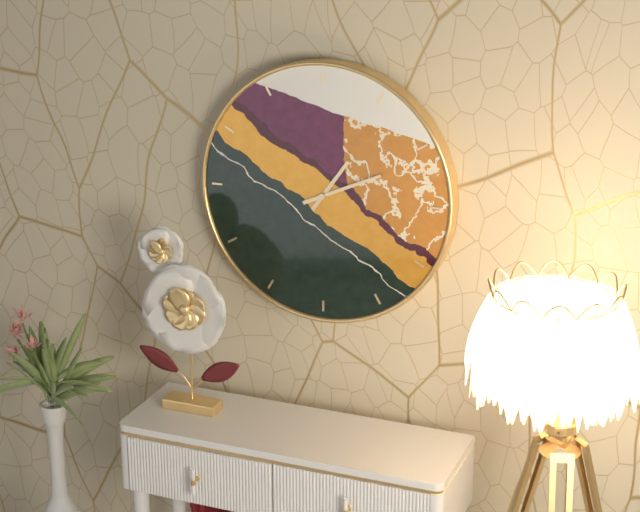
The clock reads h=1 m=11
